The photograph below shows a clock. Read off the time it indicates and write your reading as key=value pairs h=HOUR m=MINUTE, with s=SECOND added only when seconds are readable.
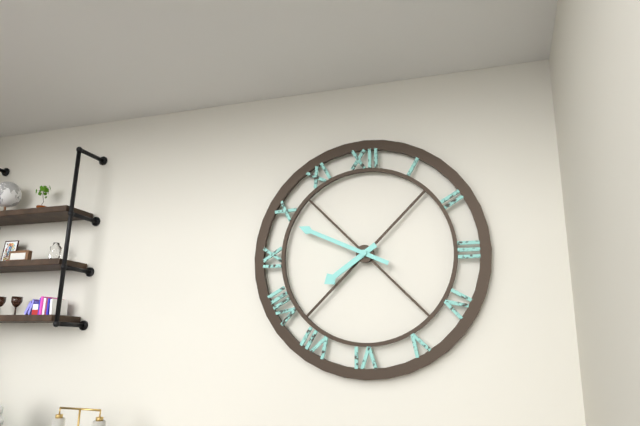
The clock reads h=7 m=49
